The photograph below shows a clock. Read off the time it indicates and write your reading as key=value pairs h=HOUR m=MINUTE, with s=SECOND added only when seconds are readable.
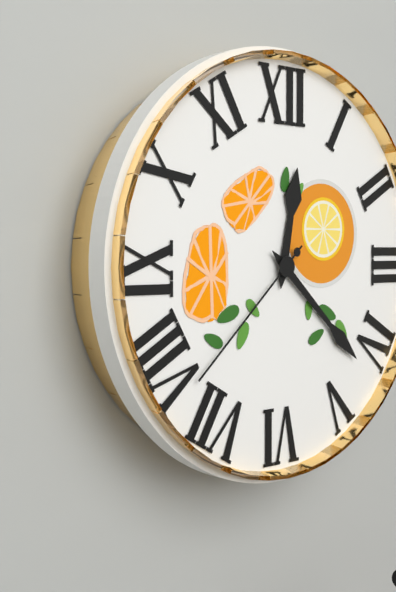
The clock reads h=12 m=22 s=38
